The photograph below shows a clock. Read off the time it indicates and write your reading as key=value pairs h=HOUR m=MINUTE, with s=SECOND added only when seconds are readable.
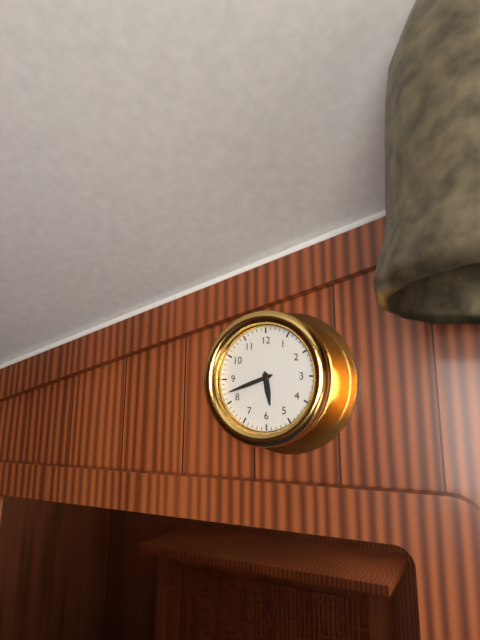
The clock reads h=5 m=42
